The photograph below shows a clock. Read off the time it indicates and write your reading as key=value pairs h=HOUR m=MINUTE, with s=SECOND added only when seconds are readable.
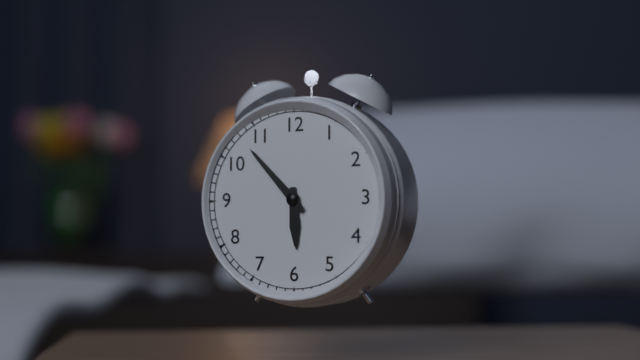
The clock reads h=5 m=53
